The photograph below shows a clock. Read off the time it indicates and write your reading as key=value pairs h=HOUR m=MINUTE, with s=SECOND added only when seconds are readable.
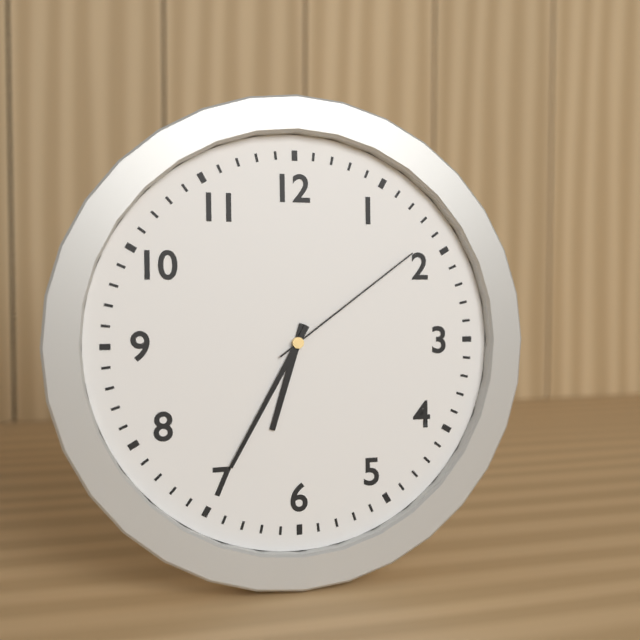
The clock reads h=6 m=35 s=9
